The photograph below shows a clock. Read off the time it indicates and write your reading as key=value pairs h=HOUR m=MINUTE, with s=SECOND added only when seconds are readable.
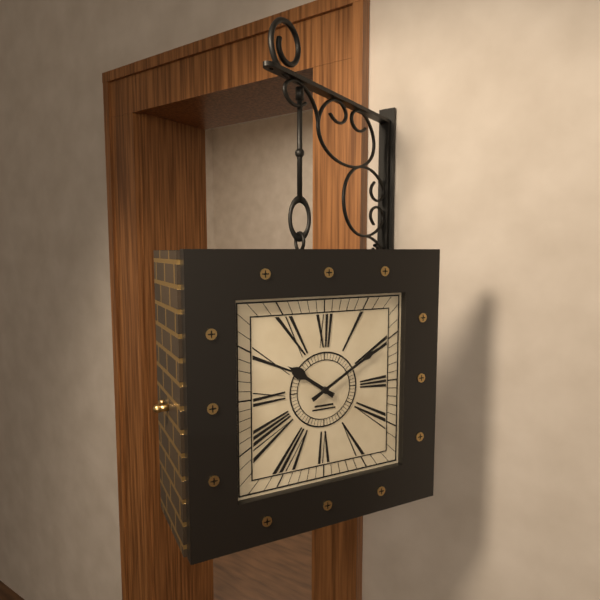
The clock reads h=10 m=10
